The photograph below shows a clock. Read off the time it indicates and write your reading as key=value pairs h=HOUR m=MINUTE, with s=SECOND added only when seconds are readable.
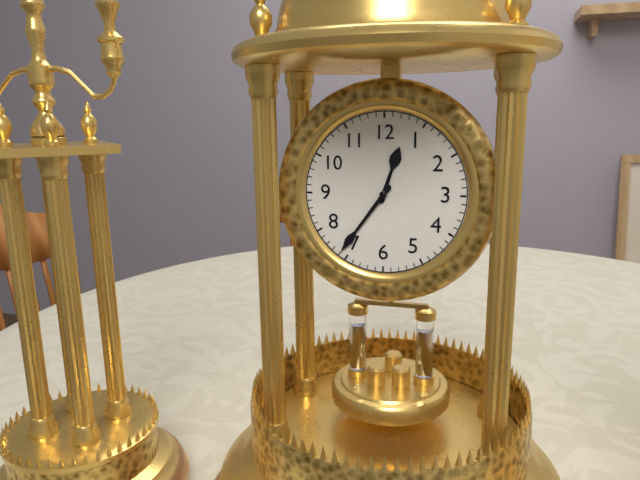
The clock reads h=12 m=36
